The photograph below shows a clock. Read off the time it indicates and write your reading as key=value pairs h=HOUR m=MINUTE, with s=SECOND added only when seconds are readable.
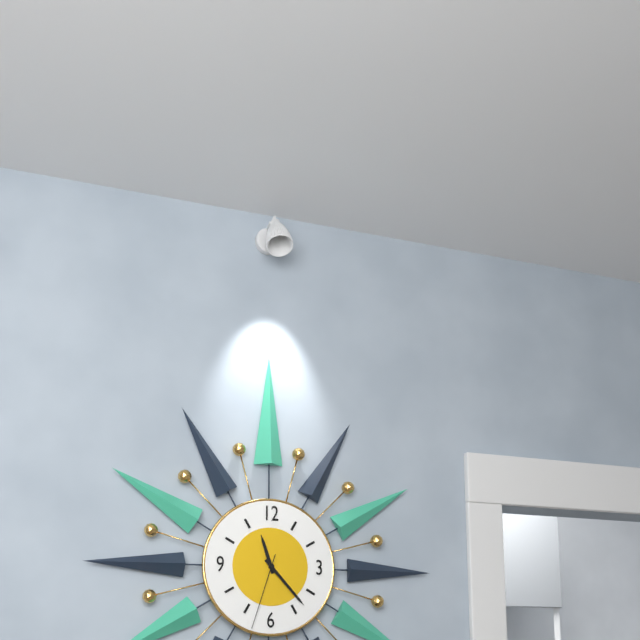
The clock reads h=11 m=23 s=33
